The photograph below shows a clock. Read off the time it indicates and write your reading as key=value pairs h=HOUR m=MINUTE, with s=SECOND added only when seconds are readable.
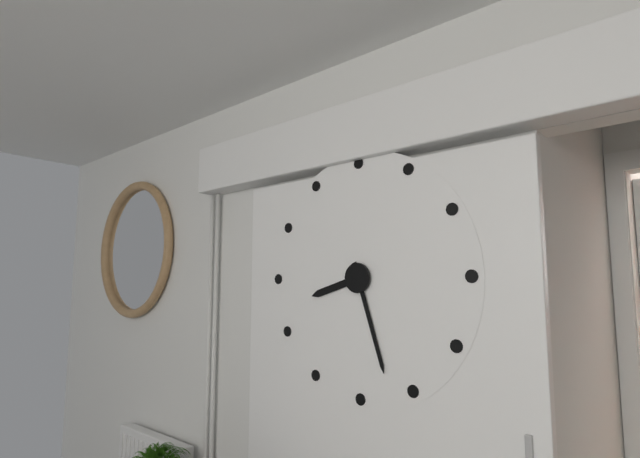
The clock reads h=8 m=27
